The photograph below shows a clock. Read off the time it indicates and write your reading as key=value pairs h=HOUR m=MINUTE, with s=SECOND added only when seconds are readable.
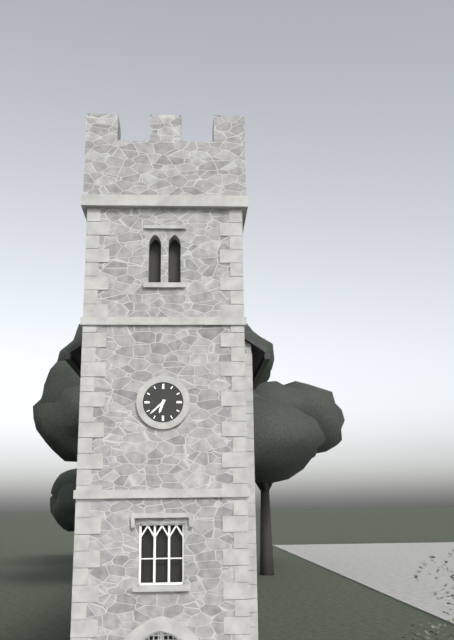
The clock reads h=6 m=38
